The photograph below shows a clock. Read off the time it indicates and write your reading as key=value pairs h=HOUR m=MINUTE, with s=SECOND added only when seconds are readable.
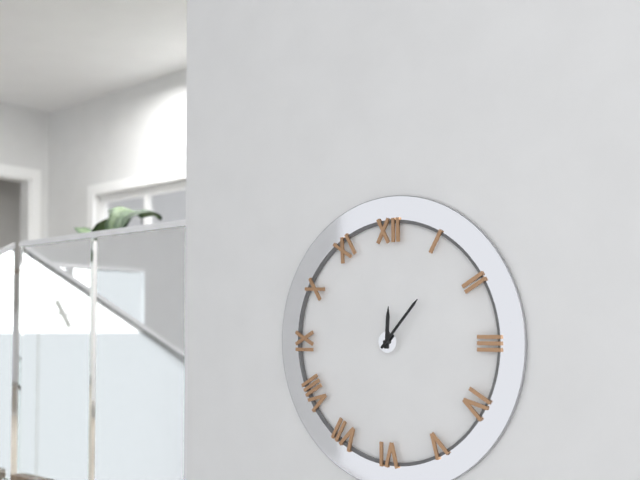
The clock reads h=12 m=7
